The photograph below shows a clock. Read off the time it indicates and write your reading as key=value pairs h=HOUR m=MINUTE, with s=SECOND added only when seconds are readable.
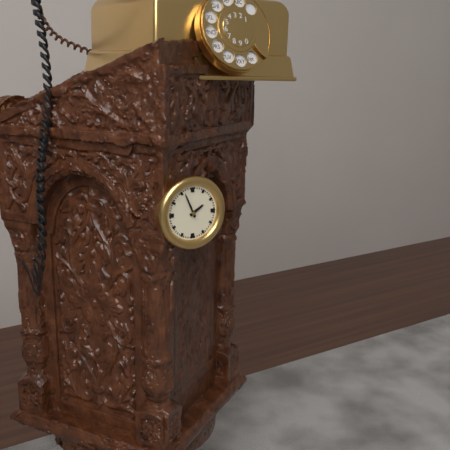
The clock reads h=1 m=56
